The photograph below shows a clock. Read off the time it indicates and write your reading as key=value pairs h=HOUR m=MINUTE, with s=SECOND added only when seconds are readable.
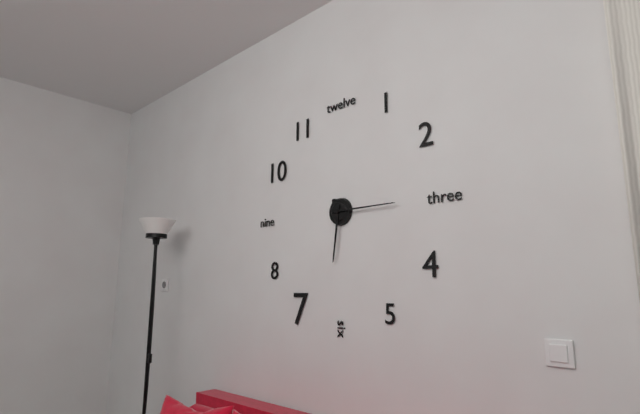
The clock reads h=6 m=15
